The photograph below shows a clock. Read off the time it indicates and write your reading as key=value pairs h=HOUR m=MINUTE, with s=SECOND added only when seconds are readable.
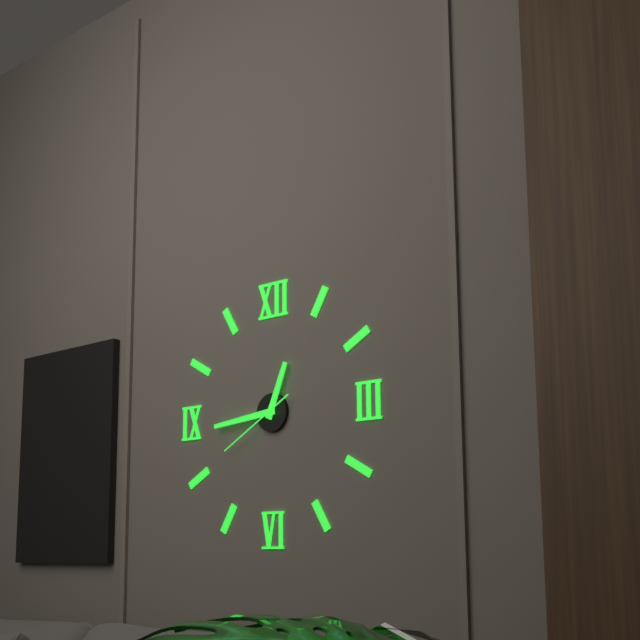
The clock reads h=12 m=44 s=40
